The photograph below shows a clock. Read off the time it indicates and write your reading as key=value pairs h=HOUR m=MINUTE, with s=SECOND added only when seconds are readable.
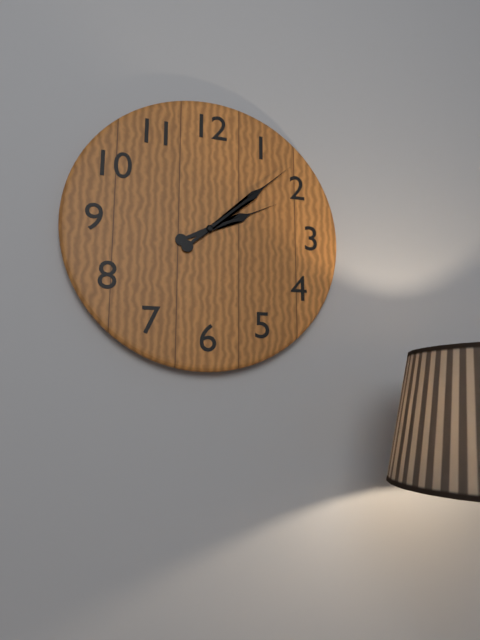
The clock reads h=2 m=8
